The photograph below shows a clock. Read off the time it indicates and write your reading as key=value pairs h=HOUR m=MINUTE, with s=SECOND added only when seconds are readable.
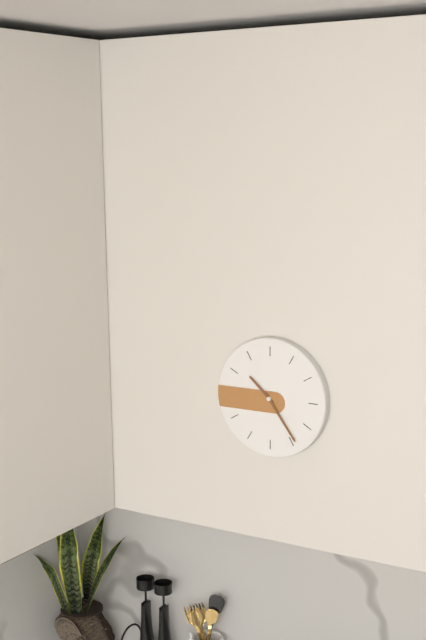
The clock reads h=10 m=24
